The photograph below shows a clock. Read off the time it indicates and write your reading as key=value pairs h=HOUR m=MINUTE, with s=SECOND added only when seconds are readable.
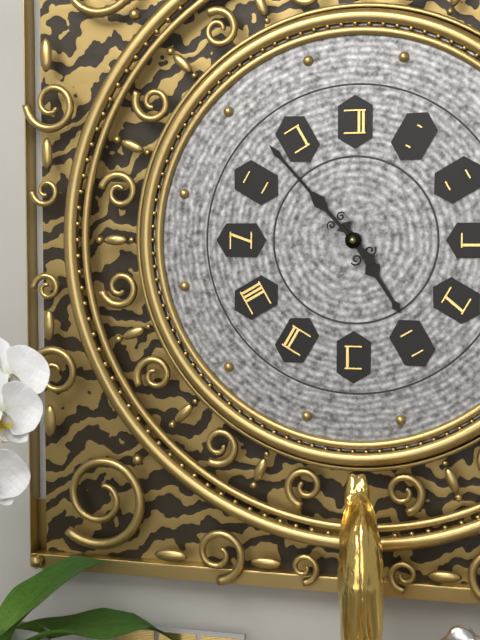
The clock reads h=4 m=53
